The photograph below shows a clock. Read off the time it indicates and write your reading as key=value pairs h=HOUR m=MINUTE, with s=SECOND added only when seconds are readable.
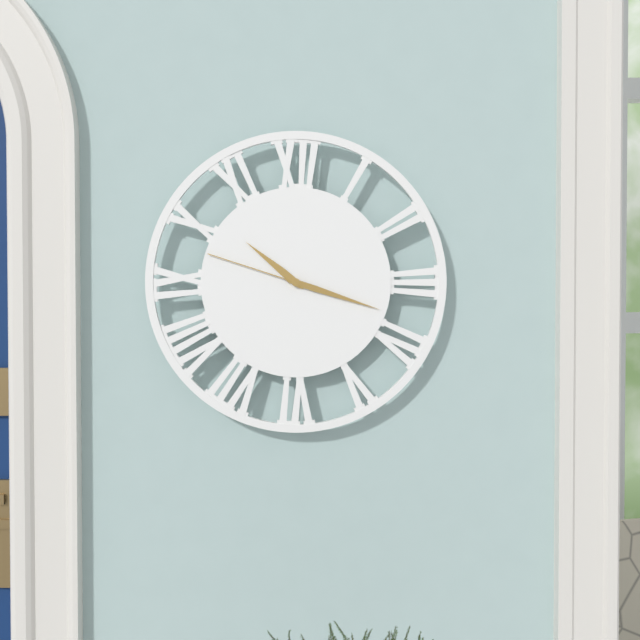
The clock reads h=10 m=18 s=48
